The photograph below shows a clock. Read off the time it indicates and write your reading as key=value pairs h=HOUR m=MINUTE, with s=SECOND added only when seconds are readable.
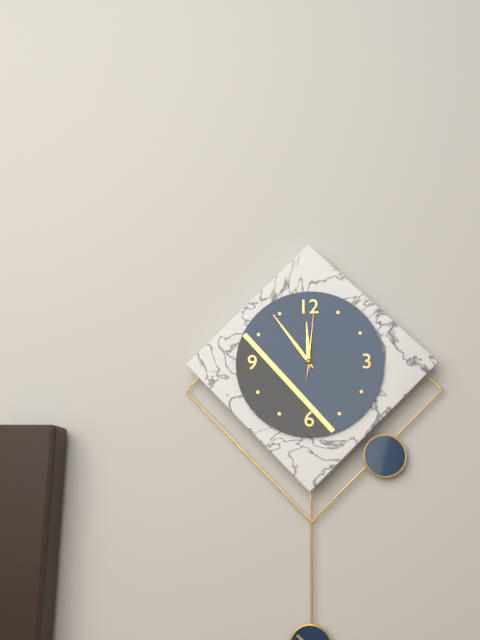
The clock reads h=11 m=54 s=1
